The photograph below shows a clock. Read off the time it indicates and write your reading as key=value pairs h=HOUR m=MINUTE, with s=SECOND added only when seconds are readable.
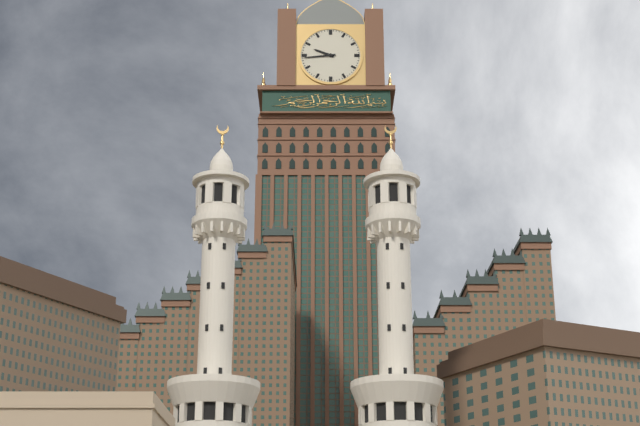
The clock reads h=9 m=44
